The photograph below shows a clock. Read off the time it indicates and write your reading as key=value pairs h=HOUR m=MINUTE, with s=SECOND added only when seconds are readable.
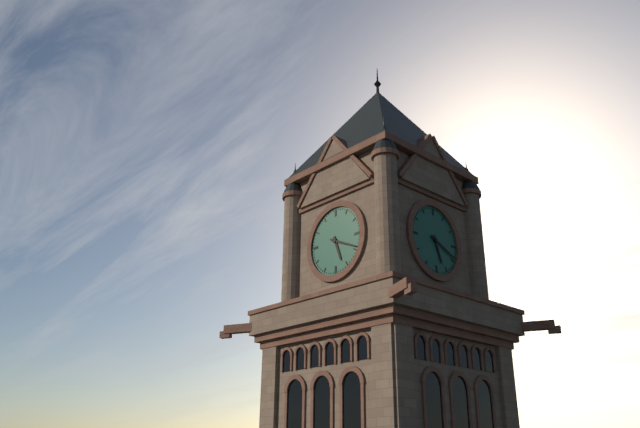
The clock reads h=5 m=19
